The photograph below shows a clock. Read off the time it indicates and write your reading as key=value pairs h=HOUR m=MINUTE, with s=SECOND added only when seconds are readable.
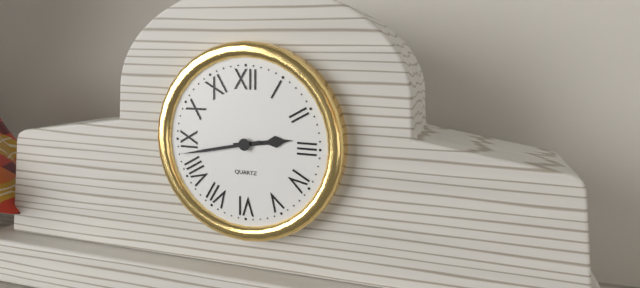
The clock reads h=2 m=43
